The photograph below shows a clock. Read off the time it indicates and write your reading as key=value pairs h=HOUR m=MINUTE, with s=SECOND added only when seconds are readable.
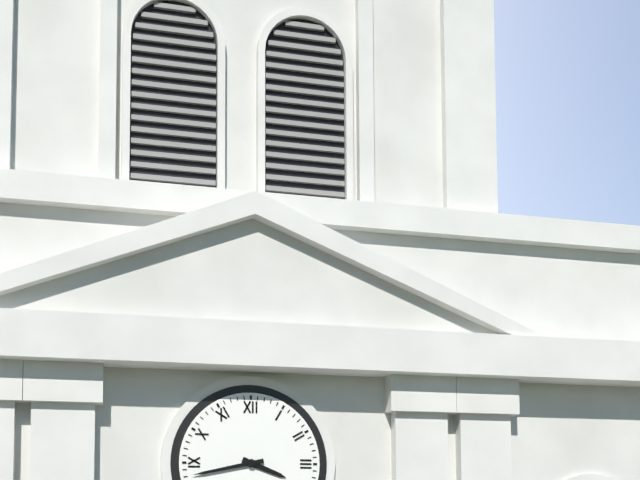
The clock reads h=3 m=43
